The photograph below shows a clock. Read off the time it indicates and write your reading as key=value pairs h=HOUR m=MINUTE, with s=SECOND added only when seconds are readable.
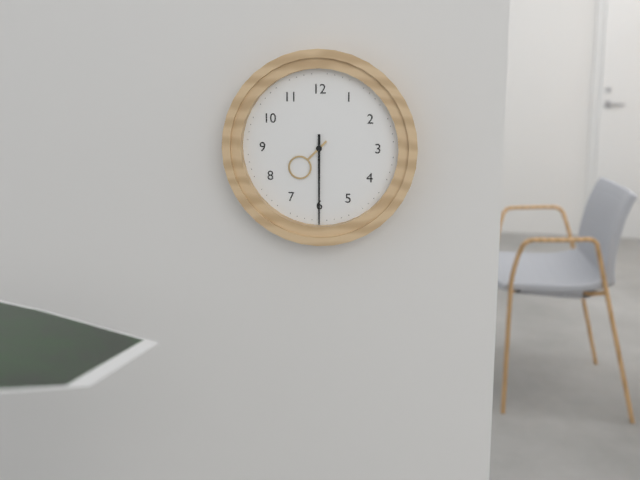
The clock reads h=7 m=30
